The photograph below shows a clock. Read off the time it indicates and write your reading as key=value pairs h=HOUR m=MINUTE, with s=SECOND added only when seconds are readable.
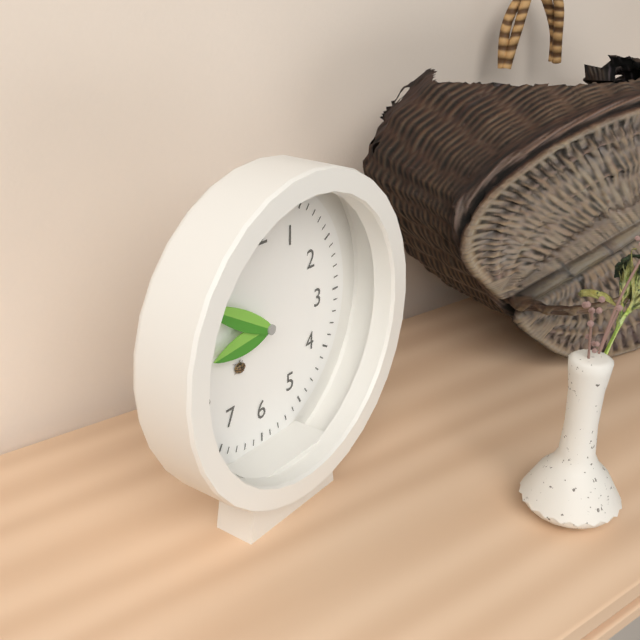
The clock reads h=8 m=50
